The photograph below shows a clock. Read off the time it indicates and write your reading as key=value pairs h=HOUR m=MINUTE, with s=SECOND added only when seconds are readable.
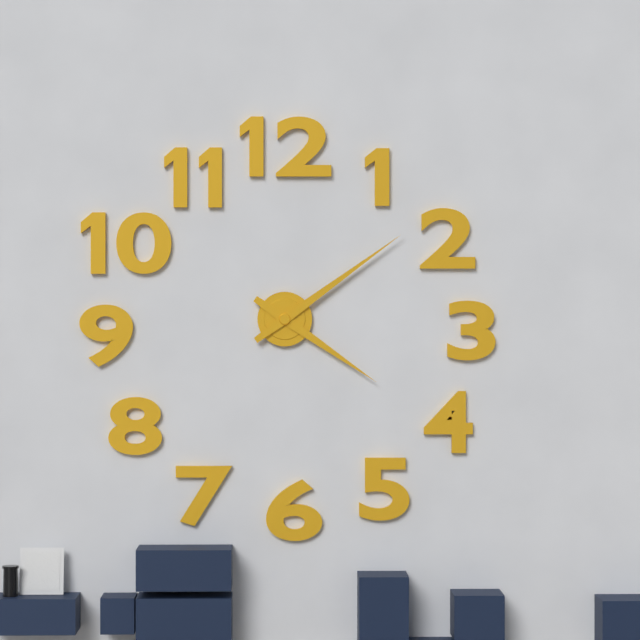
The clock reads h=4 m=9
